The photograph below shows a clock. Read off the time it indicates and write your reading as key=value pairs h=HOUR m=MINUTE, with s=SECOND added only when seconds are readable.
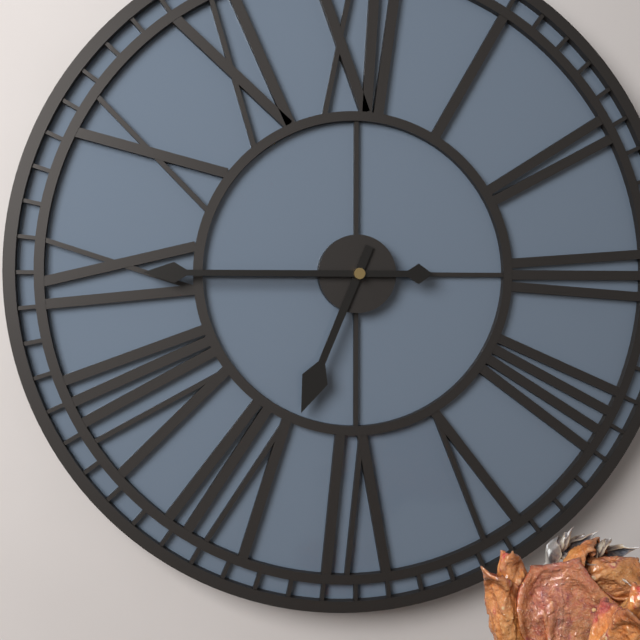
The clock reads h=6 m=45
